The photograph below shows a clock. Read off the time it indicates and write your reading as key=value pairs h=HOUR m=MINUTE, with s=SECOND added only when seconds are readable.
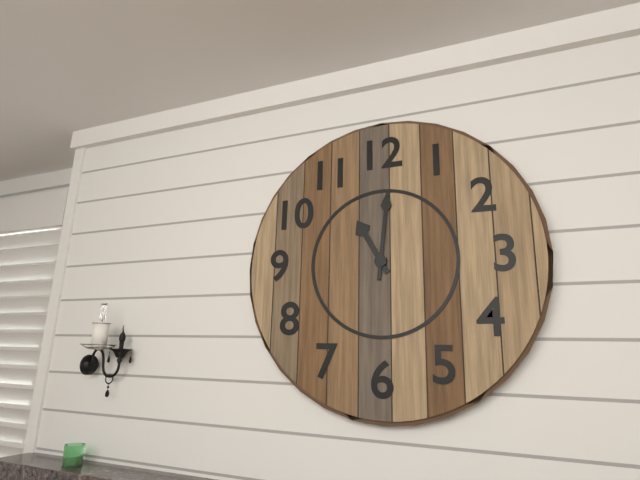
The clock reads h=11 m=1
